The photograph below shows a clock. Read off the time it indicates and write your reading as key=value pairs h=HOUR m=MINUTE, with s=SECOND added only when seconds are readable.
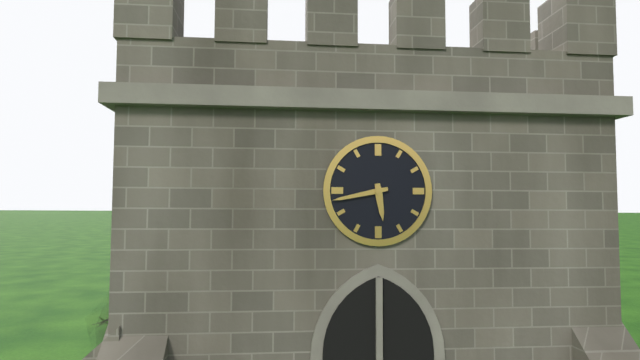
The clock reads h=5 m=43
